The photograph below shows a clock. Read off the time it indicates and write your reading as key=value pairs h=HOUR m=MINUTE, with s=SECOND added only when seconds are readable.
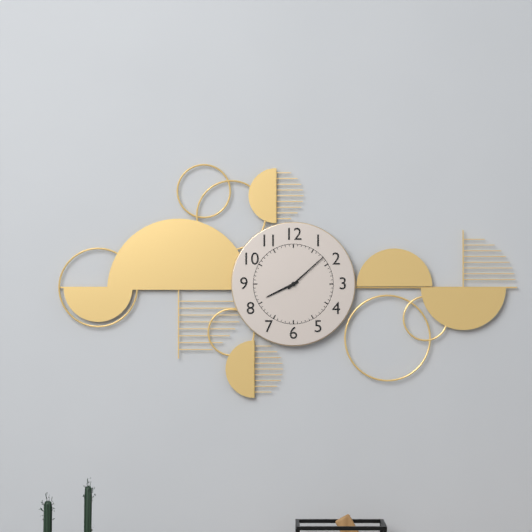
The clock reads h=8 m=8
